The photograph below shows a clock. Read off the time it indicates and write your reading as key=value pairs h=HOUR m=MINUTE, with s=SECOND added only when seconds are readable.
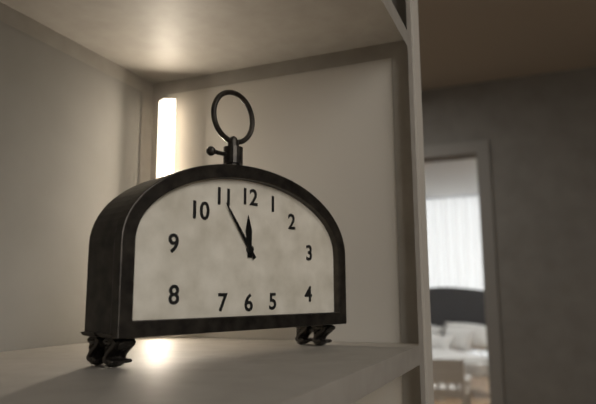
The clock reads h=11 m=54
